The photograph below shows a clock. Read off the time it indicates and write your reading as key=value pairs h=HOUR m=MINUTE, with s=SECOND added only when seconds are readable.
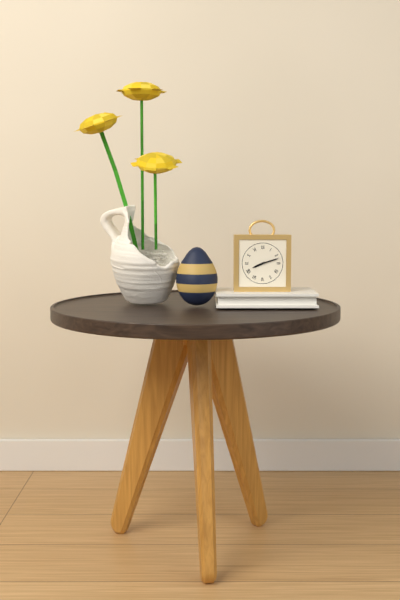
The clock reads h=8 m=12
